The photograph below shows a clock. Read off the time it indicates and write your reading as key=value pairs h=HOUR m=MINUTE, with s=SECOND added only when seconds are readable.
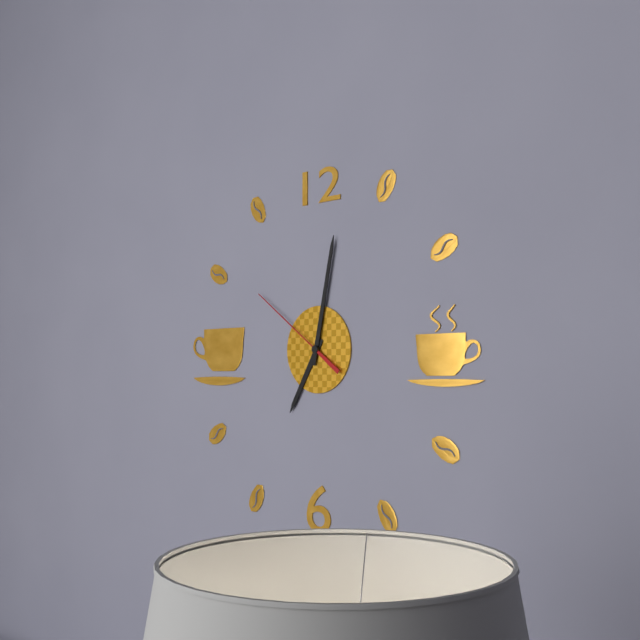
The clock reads h=7 m=2 s=51
